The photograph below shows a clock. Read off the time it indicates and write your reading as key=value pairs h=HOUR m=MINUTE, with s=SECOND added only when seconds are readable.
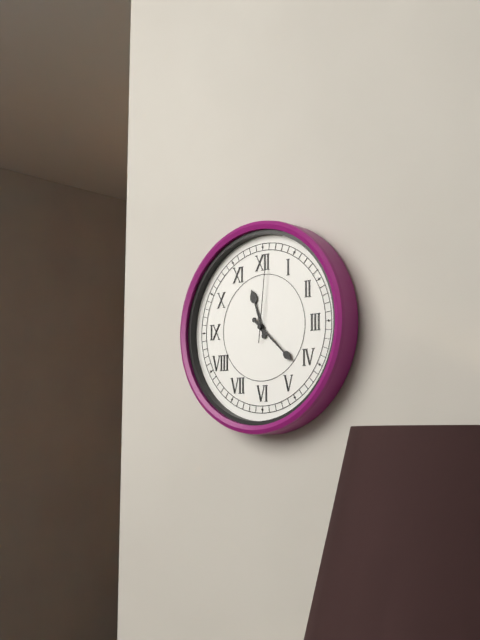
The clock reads h=11 m=22 s=1
